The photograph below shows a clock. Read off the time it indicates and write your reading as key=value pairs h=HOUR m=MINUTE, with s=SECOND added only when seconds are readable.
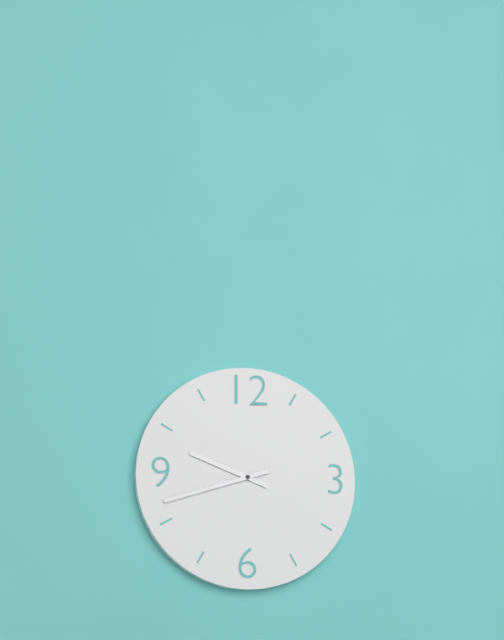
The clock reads h=9 m=42
